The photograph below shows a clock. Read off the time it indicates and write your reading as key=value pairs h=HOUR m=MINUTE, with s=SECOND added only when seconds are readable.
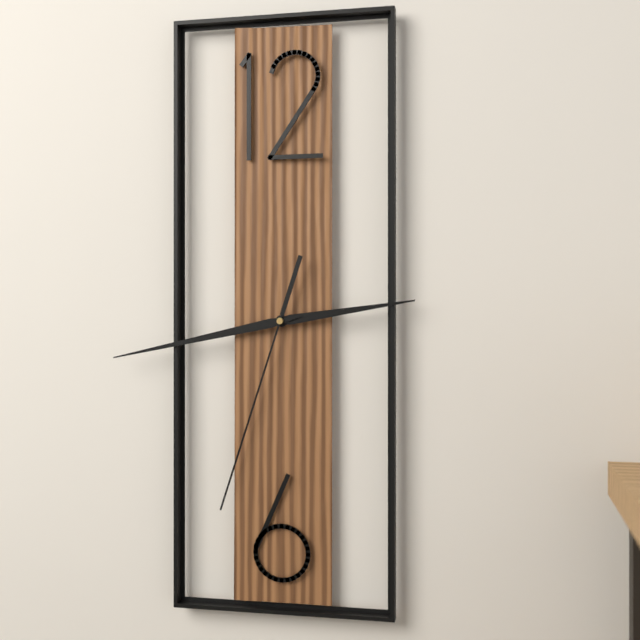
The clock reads h=2 m=43 s=33
